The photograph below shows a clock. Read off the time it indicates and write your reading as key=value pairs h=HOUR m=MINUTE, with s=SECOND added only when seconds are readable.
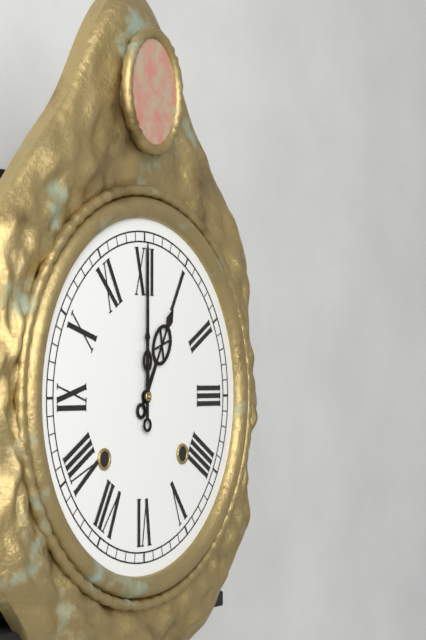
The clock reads h=1 m=0
